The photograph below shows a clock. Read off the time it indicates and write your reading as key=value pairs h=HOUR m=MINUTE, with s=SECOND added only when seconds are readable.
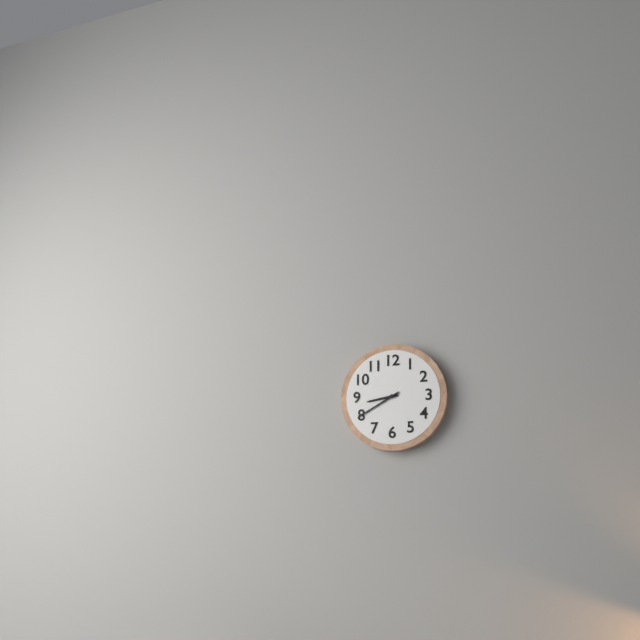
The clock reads h=8 m=40
